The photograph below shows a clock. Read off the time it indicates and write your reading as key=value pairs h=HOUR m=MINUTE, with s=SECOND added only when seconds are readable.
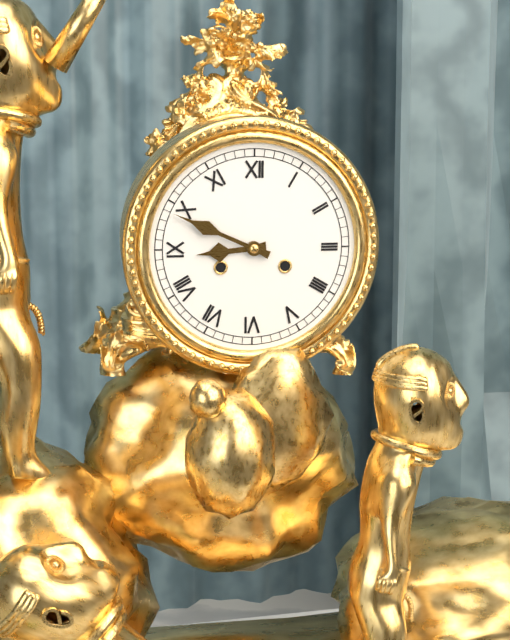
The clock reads h=8 m=49
